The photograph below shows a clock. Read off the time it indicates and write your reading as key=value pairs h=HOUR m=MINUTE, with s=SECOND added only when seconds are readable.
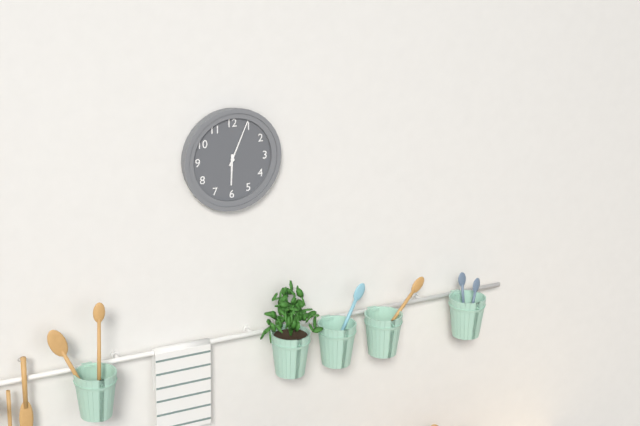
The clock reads h=6 m=4
